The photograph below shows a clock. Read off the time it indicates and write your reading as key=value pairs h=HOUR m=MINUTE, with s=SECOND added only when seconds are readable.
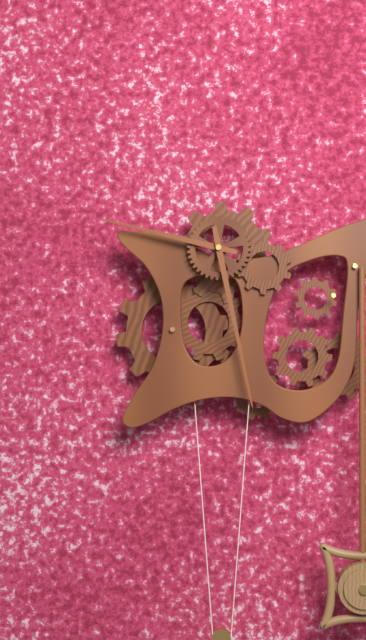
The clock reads h=9 m=28
